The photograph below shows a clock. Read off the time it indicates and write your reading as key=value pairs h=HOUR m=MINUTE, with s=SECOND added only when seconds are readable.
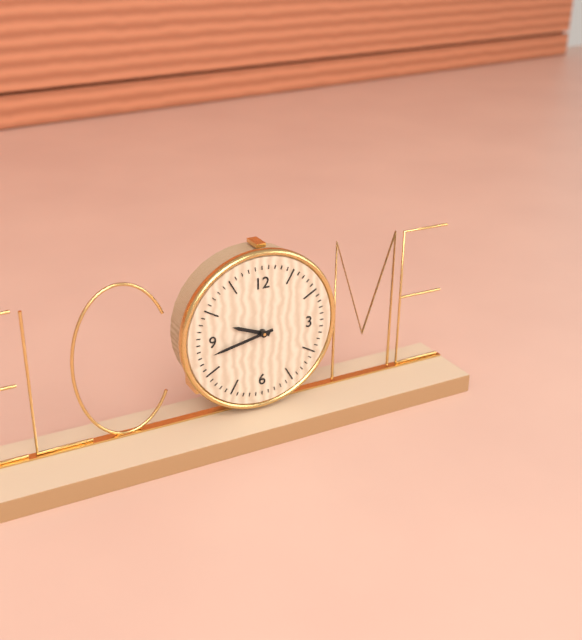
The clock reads h=9 m=43
